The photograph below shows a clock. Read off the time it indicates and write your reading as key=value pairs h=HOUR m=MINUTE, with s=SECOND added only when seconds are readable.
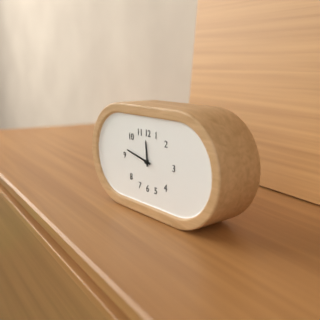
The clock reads h=11 m=47
